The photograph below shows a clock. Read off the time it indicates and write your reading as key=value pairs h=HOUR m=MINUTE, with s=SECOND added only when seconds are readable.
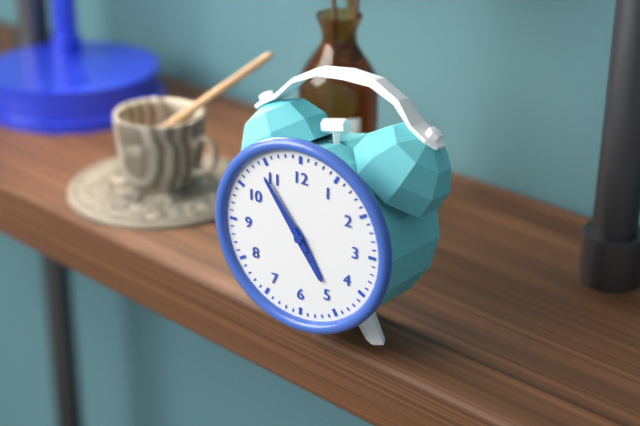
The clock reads h=4 m=54
